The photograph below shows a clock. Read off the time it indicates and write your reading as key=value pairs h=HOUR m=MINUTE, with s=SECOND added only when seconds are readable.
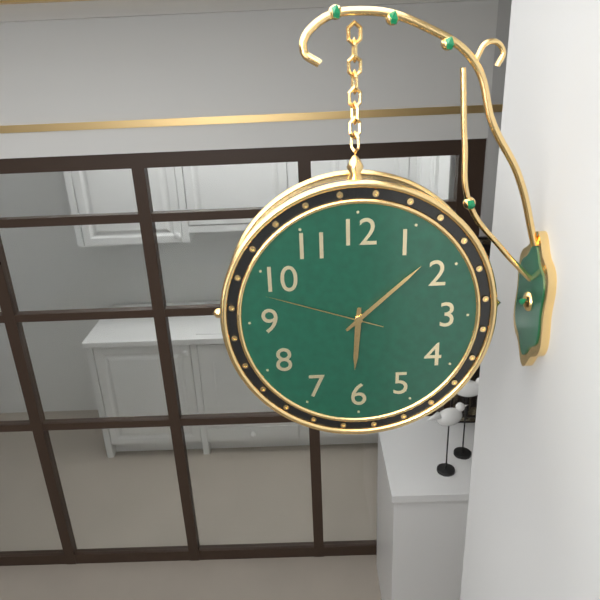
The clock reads h=6 m=8 s=48
